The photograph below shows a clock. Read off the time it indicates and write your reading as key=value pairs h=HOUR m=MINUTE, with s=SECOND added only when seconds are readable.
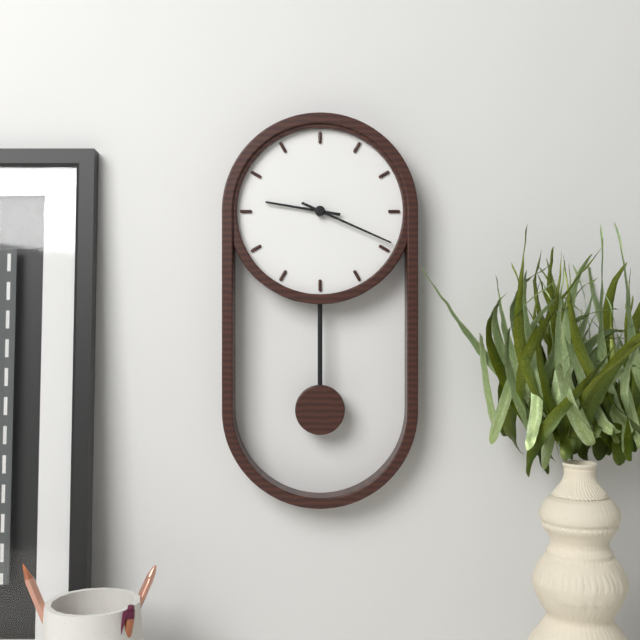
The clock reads h=9 m=19
